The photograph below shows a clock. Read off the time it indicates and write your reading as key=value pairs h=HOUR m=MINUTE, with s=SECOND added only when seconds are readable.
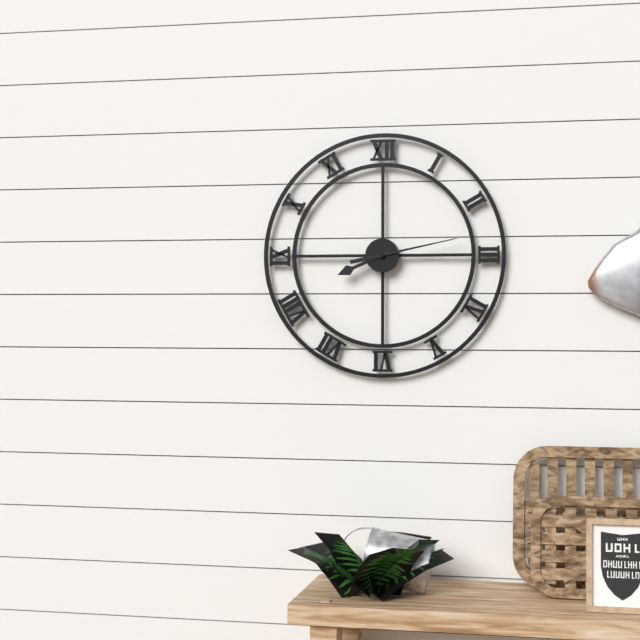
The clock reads h=8 m=13
